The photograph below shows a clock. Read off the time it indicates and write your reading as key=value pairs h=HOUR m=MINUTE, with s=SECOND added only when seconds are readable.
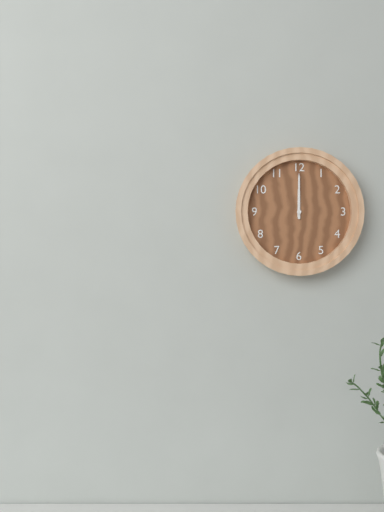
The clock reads h=12 m=0
